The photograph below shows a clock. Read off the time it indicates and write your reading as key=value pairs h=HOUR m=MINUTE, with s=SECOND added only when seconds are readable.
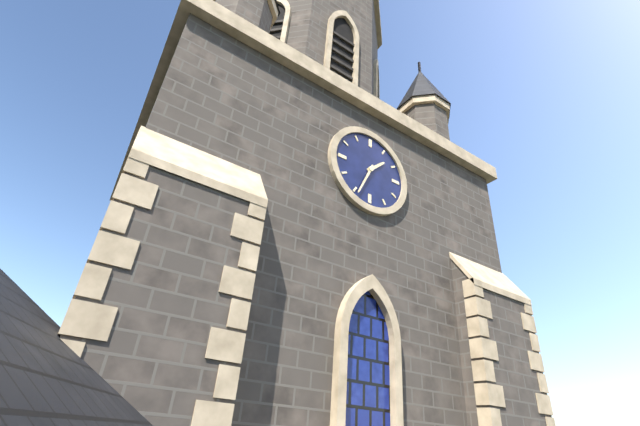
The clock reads h=1 m=34
